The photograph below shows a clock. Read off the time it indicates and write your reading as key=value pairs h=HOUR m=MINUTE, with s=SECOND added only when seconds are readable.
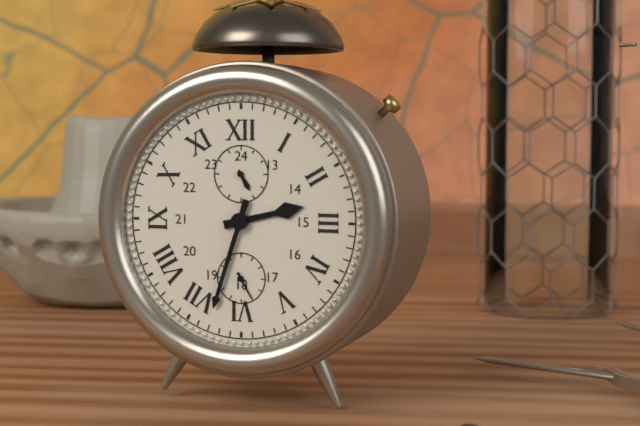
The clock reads h=2 m=33
